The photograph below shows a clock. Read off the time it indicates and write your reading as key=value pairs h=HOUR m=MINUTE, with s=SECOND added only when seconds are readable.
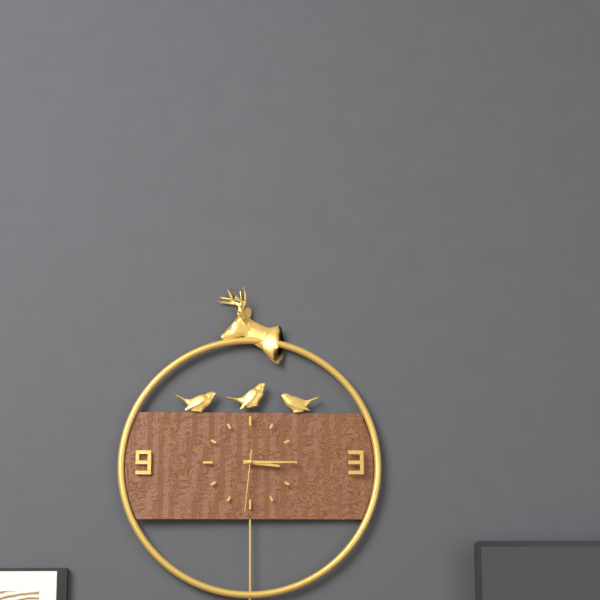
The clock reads h=3 m=15 s=31
